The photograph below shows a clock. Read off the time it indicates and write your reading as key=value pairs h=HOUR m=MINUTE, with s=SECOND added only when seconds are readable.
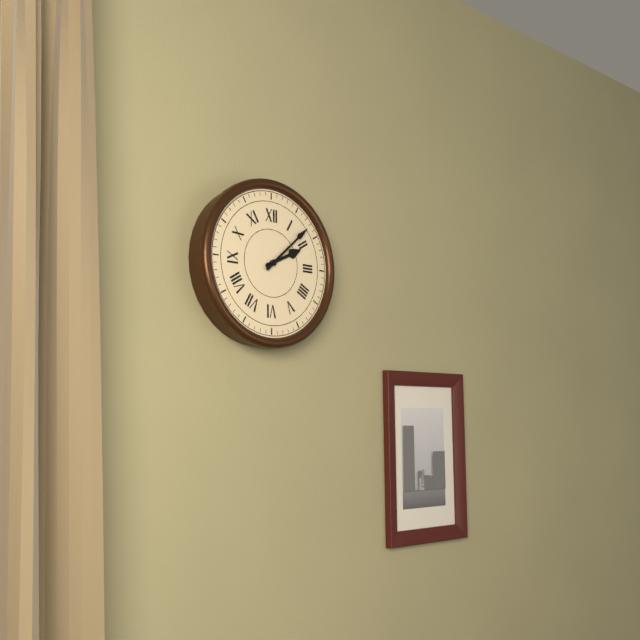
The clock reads h=2 m=8
